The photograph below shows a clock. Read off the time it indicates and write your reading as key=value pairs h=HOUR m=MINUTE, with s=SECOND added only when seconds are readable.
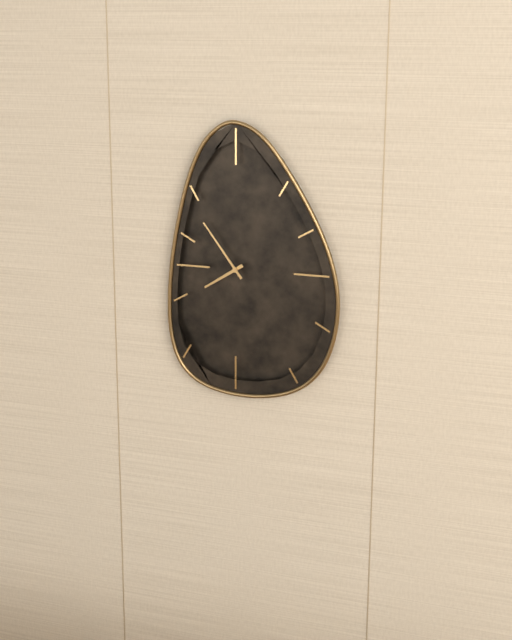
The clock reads h=7 m=54
